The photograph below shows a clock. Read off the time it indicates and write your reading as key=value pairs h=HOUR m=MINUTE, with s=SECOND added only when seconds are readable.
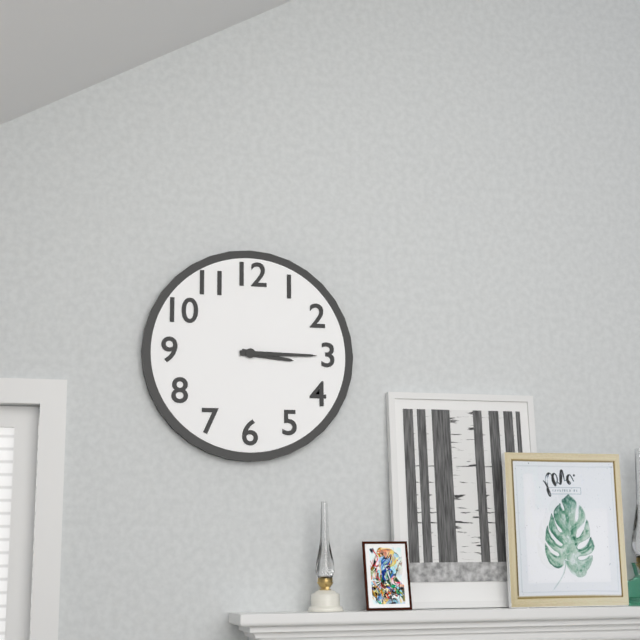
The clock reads h=3 m=15
